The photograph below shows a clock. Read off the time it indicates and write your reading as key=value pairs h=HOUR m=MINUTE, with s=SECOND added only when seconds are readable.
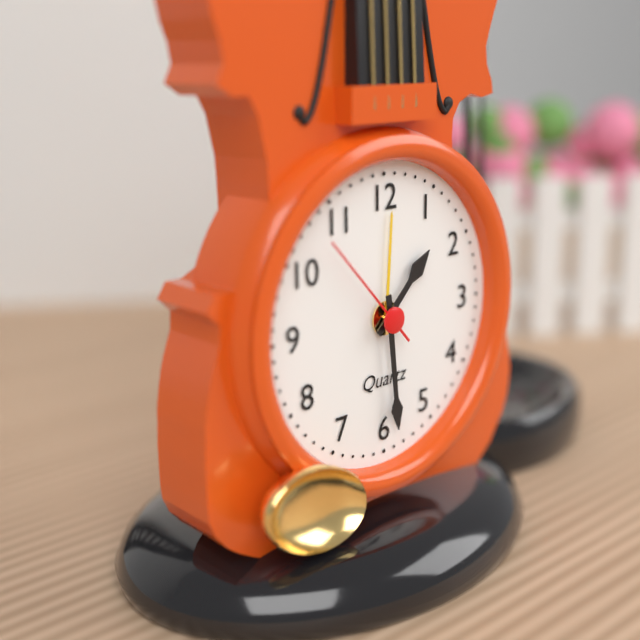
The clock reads h=1 m=29 s=53
